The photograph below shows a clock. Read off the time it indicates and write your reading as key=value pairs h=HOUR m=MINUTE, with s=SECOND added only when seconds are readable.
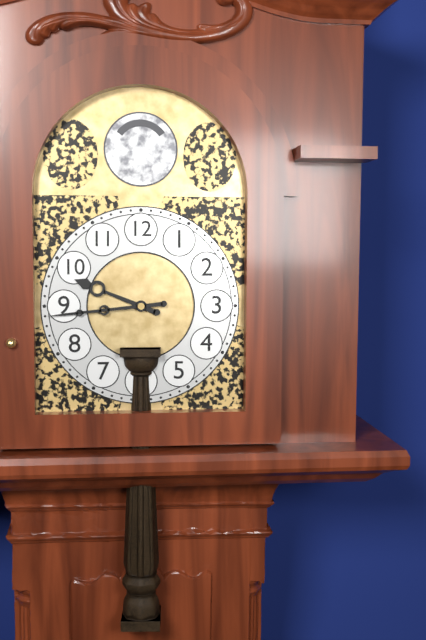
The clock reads h=9 m=44
